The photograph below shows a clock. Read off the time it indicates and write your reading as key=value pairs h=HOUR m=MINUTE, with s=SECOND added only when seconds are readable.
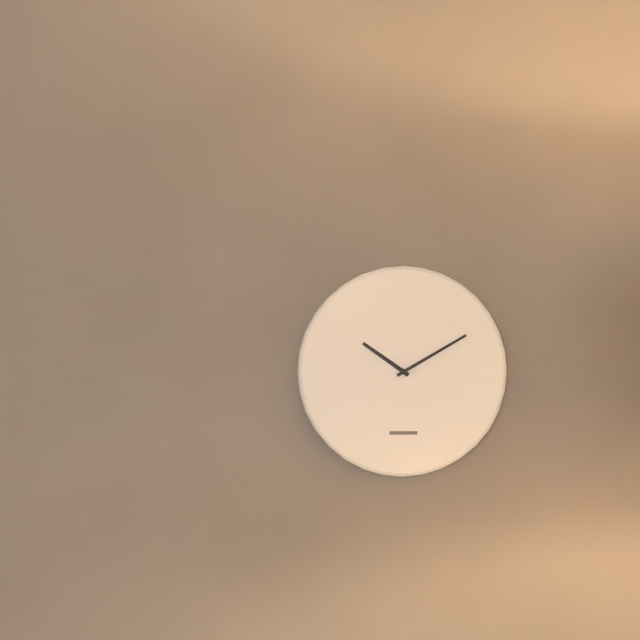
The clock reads h=10 m=10
